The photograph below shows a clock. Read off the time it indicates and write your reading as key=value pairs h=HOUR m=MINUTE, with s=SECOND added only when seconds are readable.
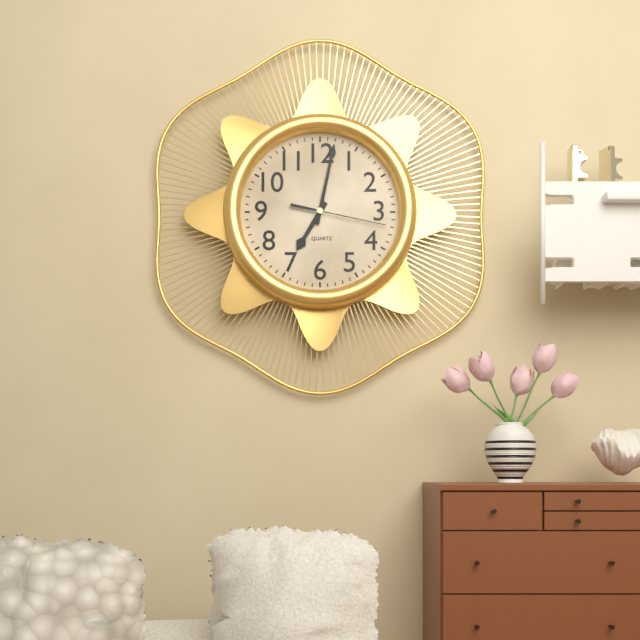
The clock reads h=7 m=2 s=17
